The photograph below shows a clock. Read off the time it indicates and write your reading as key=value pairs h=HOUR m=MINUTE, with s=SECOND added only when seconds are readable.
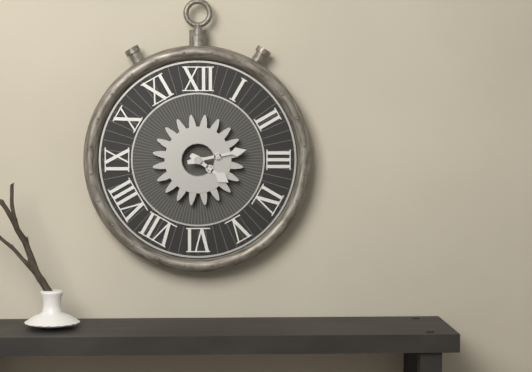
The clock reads h=4 m=13
